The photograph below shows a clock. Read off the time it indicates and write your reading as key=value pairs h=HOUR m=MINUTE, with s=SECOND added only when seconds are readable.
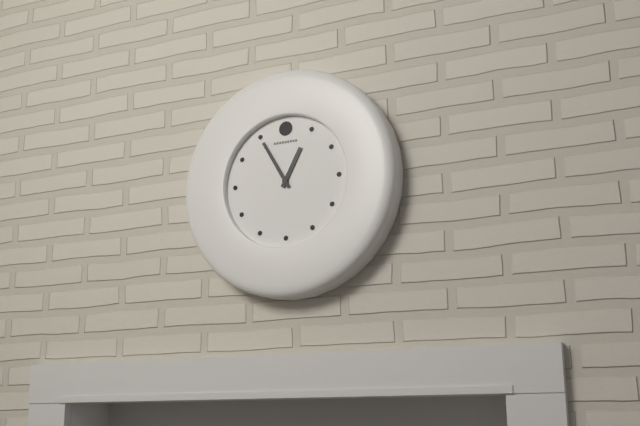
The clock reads h=12 m=55
